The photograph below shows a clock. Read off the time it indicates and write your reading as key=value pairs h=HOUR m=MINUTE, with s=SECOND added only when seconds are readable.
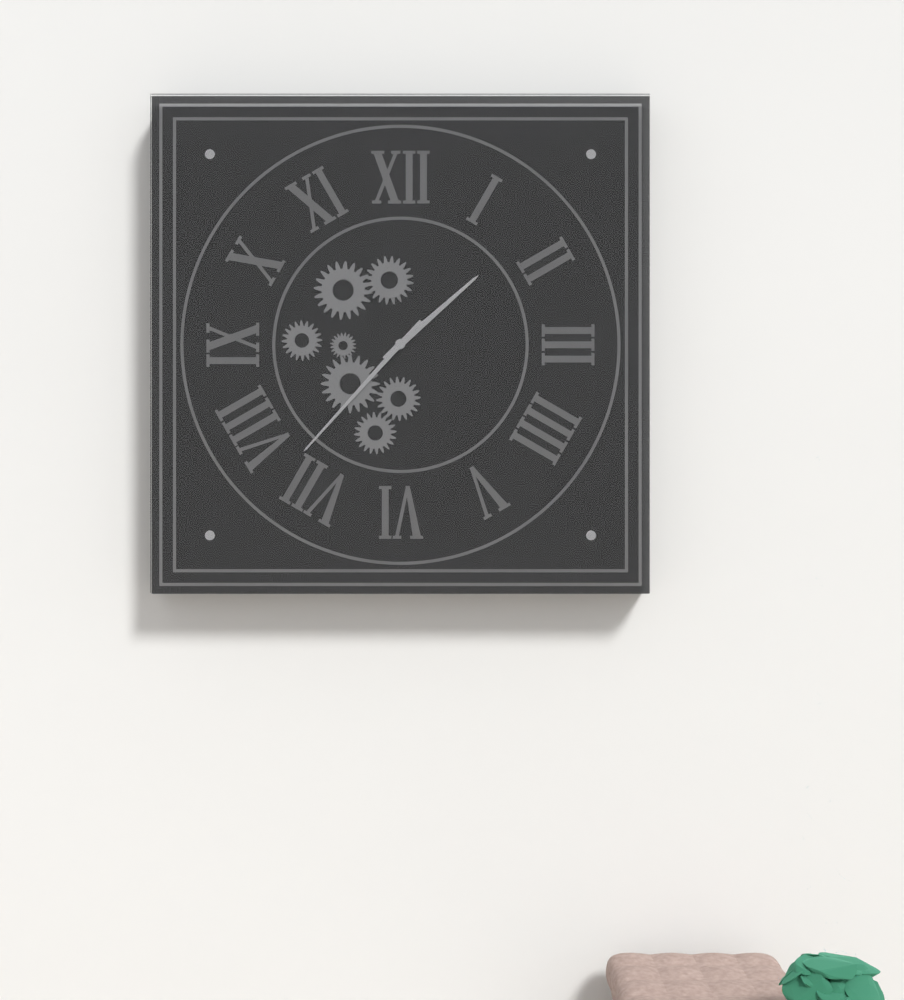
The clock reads h=1 m=37
